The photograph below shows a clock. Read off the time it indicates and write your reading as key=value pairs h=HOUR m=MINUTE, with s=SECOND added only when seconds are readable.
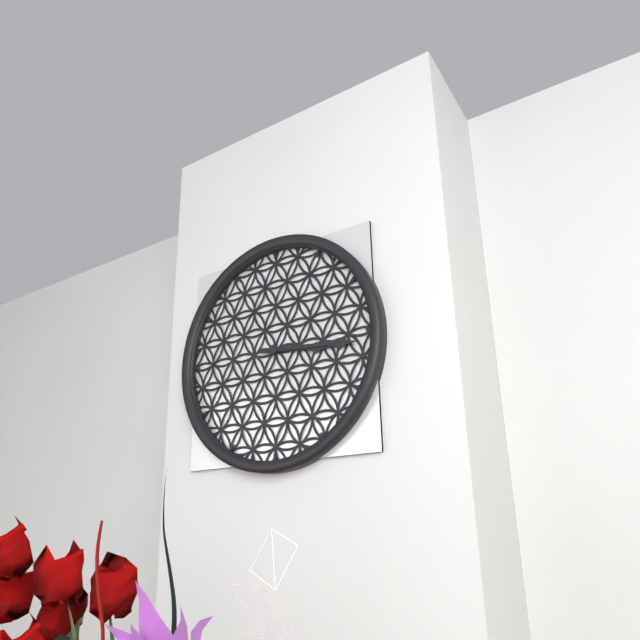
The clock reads h=3 m=16
